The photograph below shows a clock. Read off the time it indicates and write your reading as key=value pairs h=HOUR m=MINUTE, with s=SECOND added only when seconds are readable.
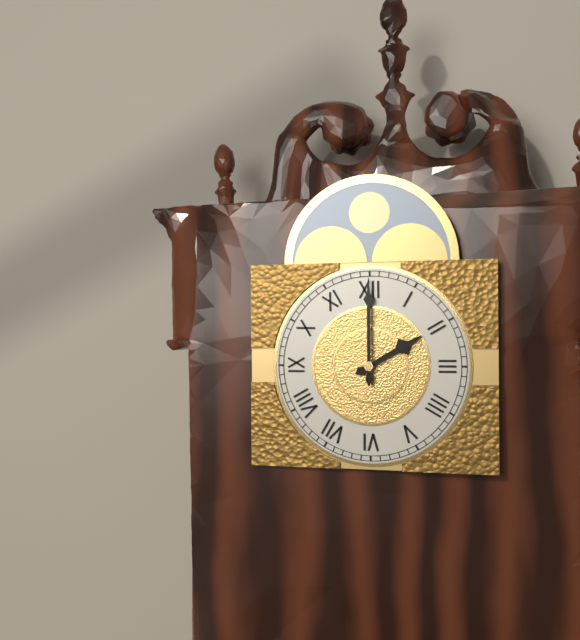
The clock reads h=2 m=0
